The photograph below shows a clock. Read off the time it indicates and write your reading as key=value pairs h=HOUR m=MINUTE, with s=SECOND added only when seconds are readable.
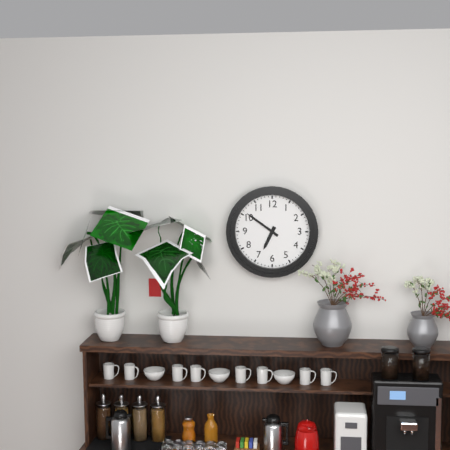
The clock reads h=6 m=51
